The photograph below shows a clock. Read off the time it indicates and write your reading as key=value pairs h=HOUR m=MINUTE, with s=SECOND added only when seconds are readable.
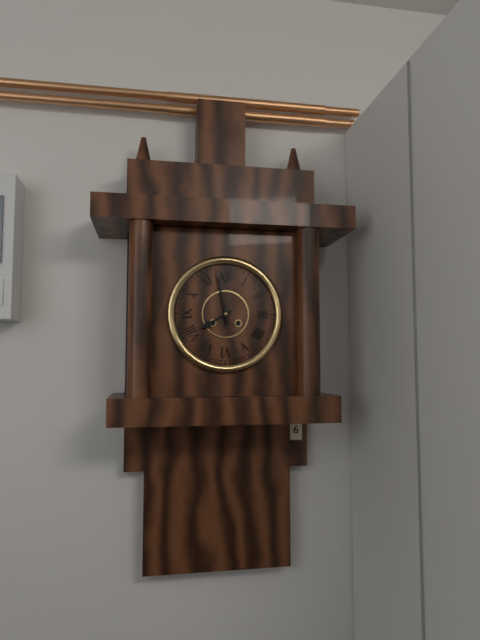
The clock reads h=7 m=58
